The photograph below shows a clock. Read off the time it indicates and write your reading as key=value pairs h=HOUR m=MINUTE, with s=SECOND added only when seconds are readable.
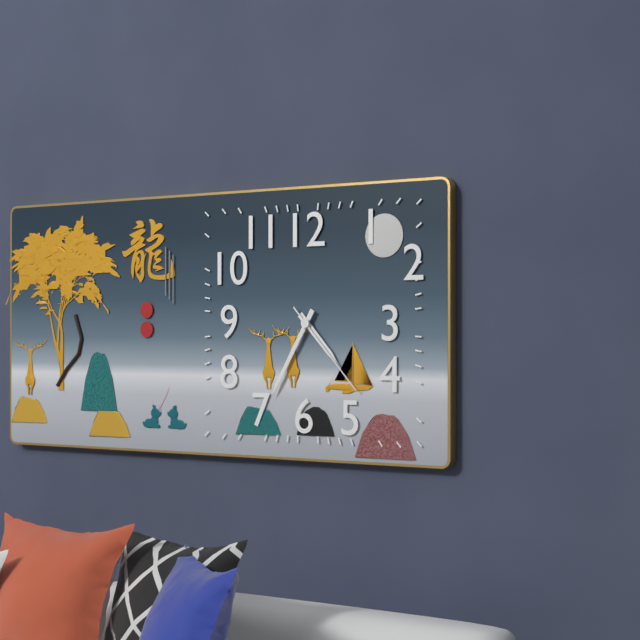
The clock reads h=4 m=35 s=23
